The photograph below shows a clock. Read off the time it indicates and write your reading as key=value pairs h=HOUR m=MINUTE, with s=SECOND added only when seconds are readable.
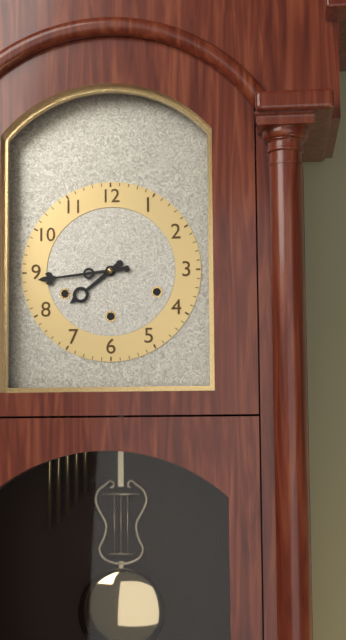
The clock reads h=7 m=44
